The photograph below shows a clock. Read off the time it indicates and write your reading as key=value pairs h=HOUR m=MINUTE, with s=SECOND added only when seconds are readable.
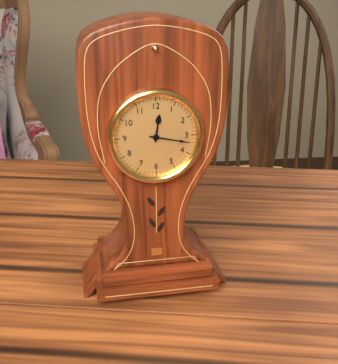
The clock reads h=12 m=17
